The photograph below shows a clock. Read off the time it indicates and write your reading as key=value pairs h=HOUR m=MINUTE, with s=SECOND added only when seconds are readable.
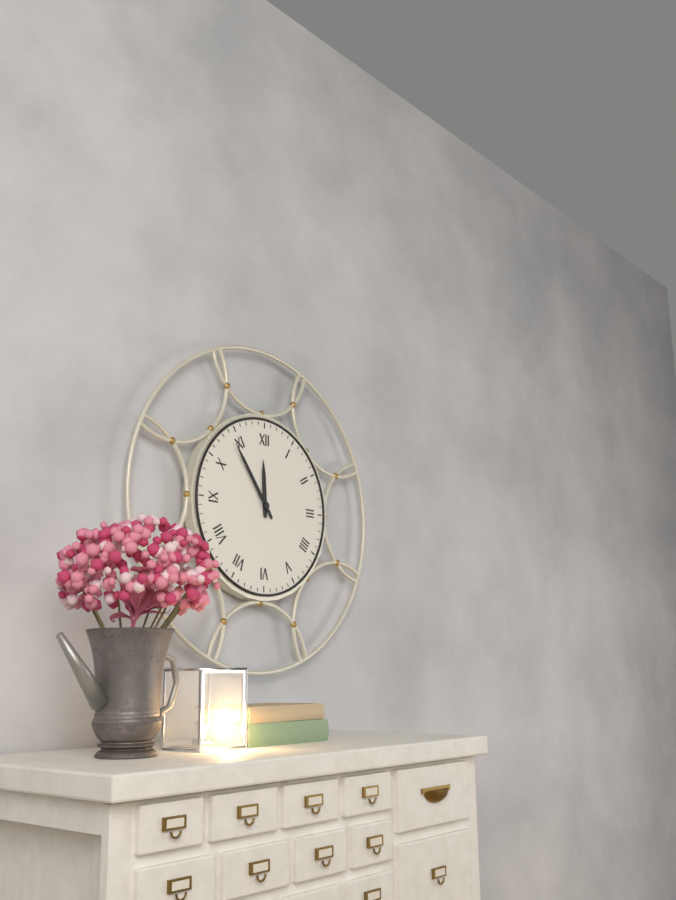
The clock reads h=11 m=54
